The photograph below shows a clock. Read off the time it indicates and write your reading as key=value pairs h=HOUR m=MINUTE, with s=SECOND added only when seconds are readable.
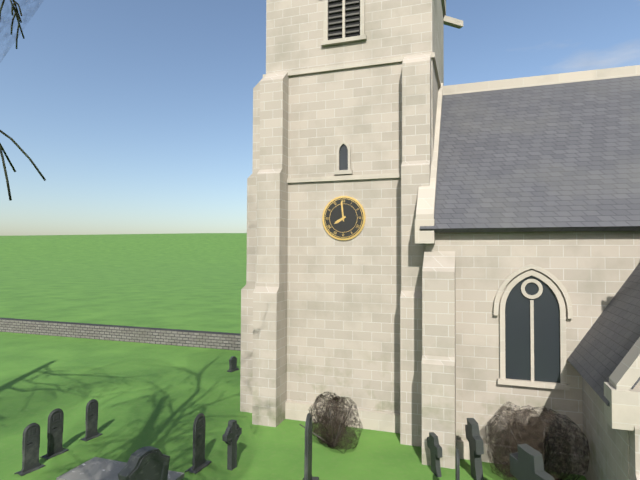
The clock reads h=7 m=59
